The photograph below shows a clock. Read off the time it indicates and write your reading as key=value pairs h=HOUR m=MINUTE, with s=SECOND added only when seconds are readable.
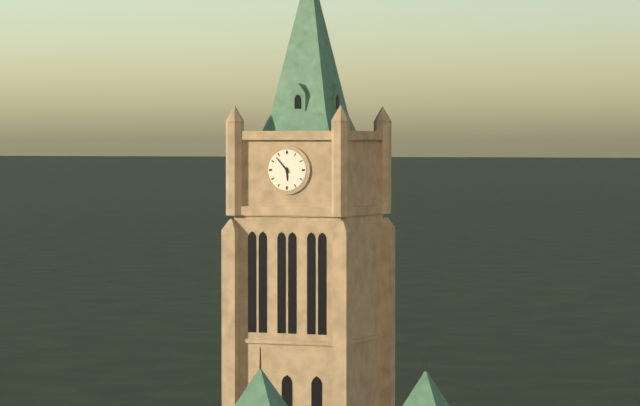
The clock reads h=5 m=53
